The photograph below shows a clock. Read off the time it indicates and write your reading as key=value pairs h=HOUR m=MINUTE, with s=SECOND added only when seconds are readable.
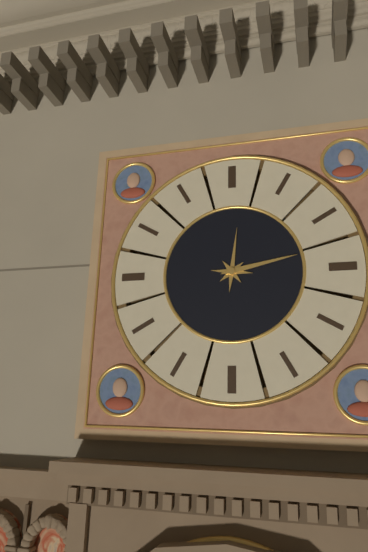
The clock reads h=12 m=13
